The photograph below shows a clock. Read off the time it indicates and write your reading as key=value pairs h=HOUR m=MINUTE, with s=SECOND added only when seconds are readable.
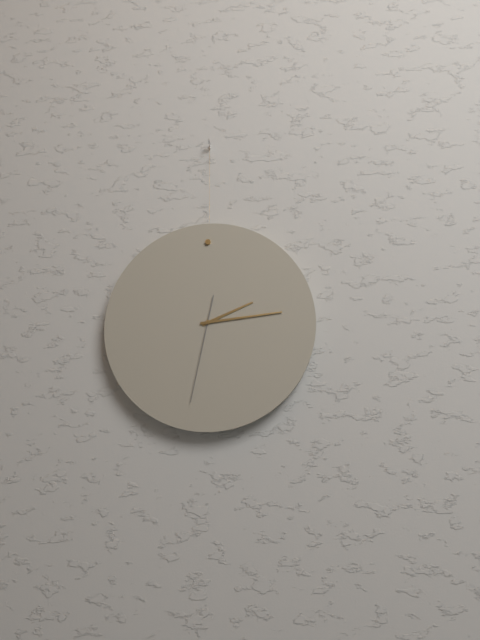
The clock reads h=2 m=14 s=32
